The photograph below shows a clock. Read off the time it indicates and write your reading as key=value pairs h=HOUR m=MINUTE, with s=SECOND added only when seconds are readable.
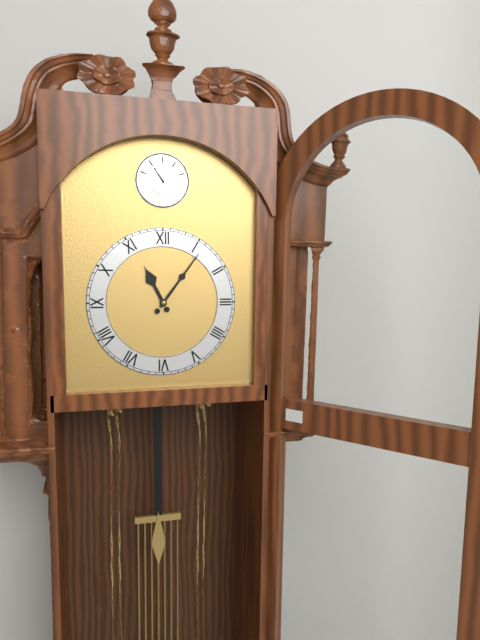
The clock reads h=11 m=6
